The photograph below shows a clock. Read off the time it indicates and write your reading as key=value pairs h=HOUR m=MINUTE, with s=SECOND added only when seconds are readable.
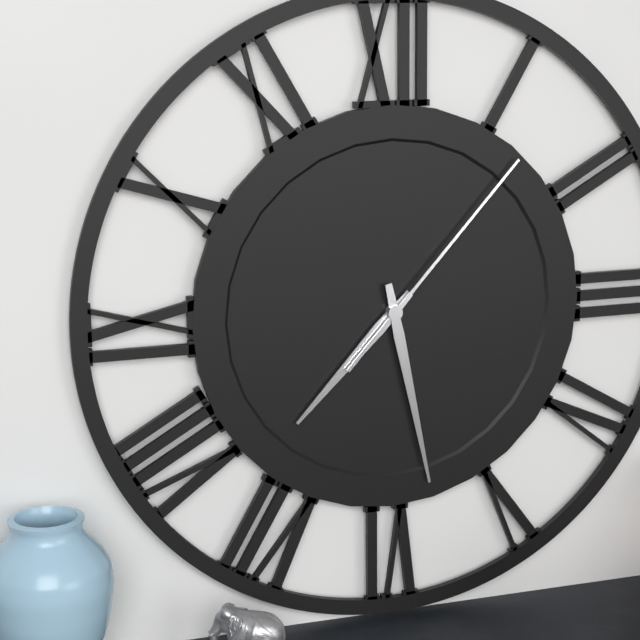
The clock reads h=7 m=28 s=7
